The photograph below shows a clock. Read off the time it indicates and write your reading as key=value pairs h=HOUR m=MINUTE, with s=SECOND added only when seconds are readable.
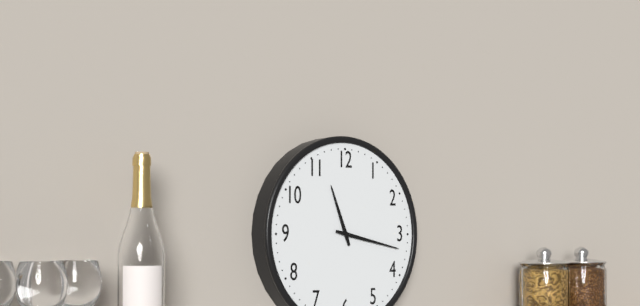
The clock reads h=11 m=17
